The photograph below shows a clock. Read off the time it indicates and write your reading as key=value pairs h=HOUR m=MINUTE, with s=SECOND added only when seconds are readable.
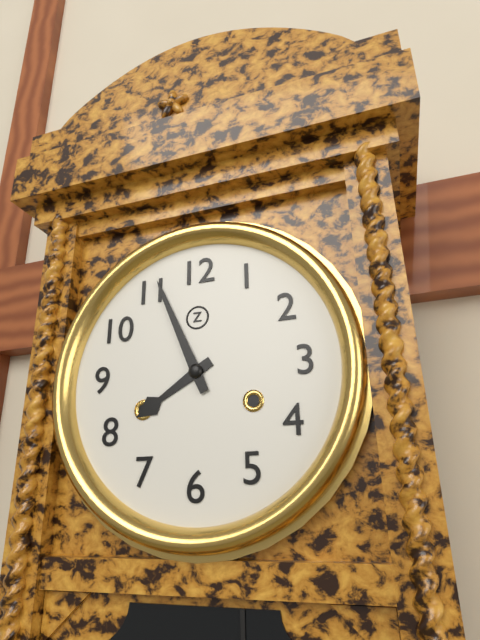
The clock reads h=7 m=56
